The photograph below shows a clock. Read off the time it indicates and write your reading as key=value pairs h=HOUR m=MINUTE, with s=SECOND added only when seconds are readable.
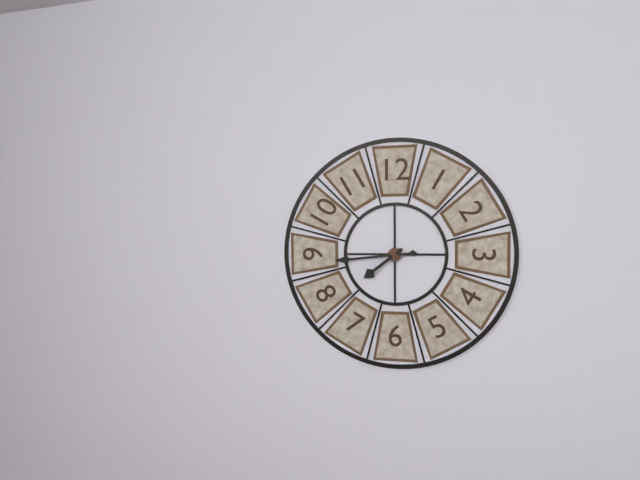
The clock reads h=7 m=44
